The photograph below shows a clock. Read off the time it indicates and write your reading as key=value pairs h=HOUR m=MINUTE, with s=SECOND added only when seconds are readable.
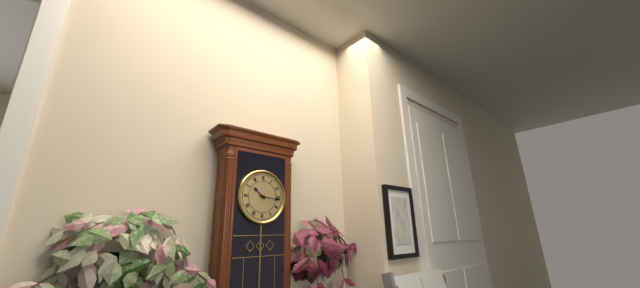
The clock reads h=10 m=16
